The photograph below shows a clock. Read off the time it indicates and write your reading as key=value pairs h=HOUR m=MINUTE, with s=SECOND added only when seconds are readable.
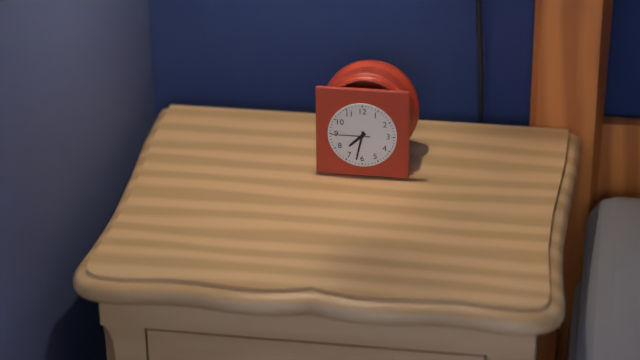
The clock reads h=7 m=32
